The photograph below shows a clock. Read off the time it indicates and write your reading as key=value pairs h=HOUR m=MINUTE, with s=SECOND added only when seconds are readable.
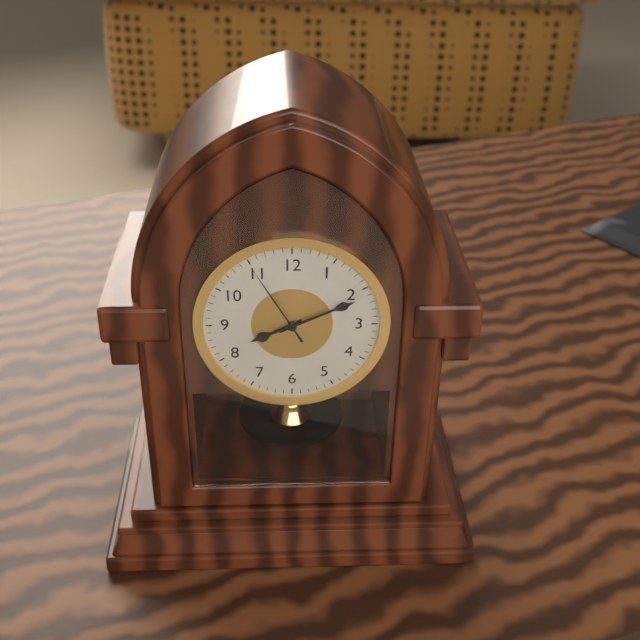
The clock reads h=8 m=11 s=55
